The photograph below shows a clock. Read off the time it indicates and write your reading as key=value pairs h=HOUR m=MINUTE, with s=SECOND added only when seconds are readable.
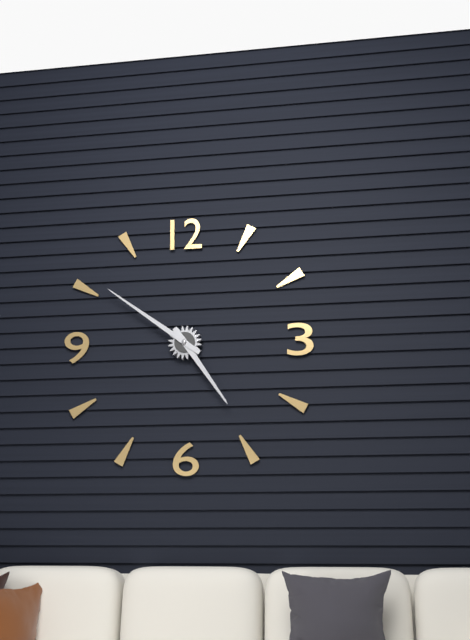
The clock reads h=4 m=51
